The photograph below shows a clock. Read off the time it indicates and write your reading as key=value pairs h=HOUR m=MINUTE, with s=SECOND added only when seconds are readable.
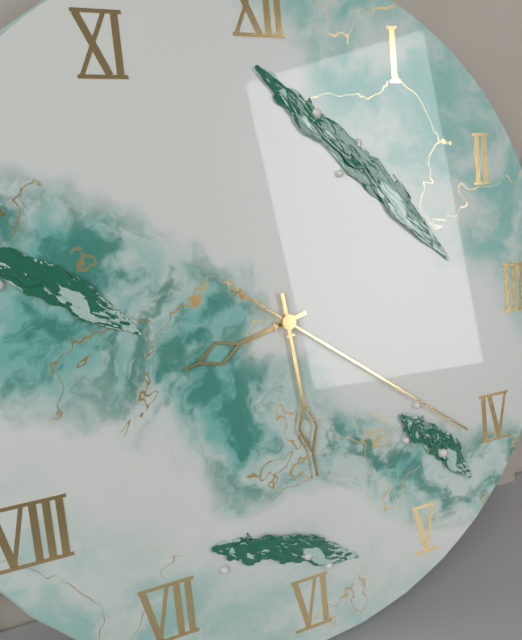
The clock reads h=8 m=29 s=21
